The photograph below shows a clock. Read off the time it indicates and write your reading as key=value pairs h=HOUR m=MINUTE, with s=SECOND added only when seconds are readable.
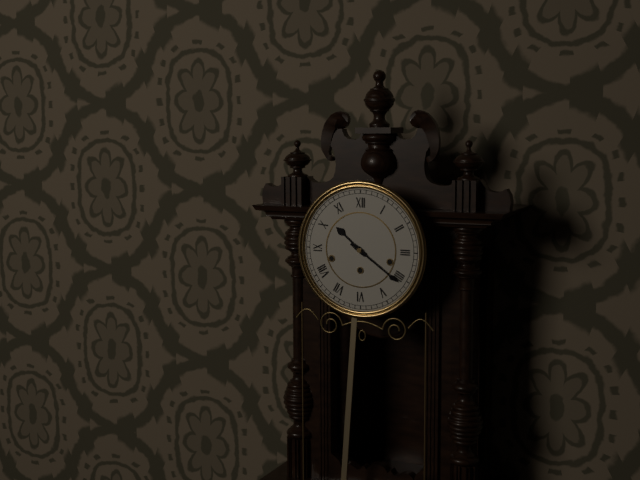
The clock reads h=10 m=21
